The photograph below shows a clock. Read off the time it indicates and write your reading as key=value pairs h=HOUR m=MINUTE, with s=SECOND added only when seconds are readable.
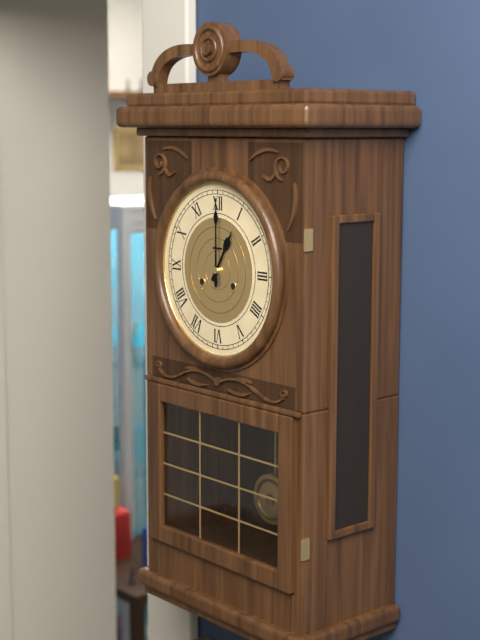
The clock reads h=1 m=0
